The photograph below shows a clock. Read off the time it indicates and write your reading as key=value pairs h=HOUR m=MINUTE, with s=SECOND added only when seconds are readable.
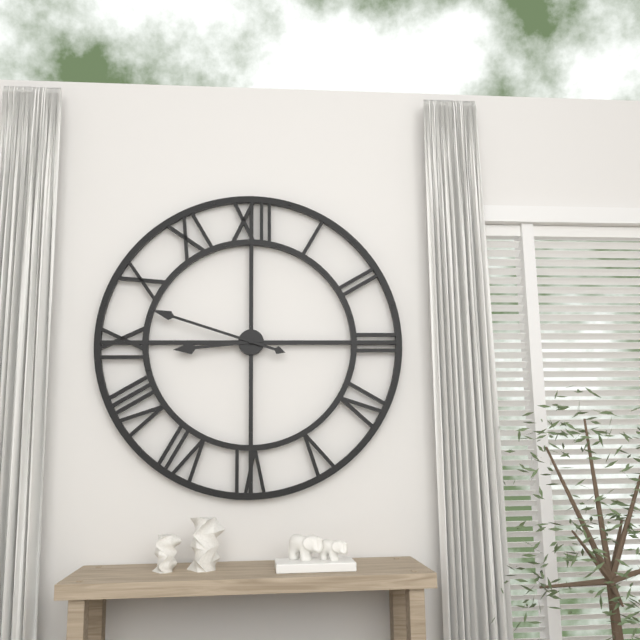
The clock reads h=8 m=48
